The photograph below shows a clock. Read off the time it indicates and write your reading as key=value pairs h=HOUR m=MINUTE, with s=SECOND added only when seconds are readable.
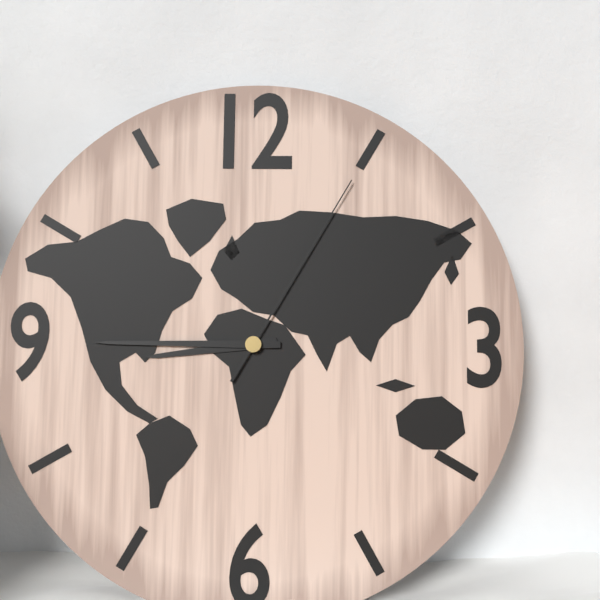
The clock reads h=8 m=45 s=5
